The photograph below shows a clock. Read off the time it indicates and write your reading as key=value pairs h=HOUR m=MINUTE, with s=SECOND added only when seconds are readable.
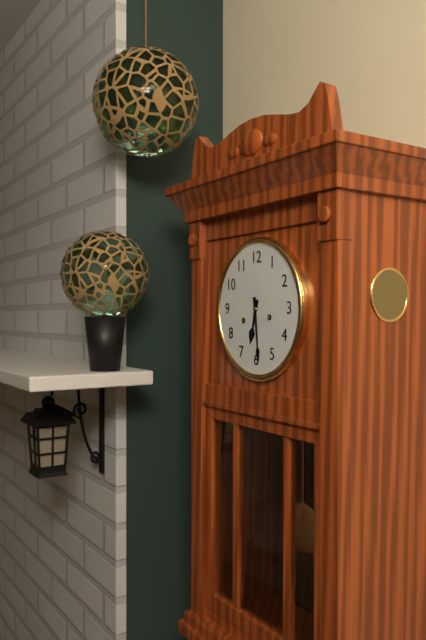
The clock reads h=6 m=29
